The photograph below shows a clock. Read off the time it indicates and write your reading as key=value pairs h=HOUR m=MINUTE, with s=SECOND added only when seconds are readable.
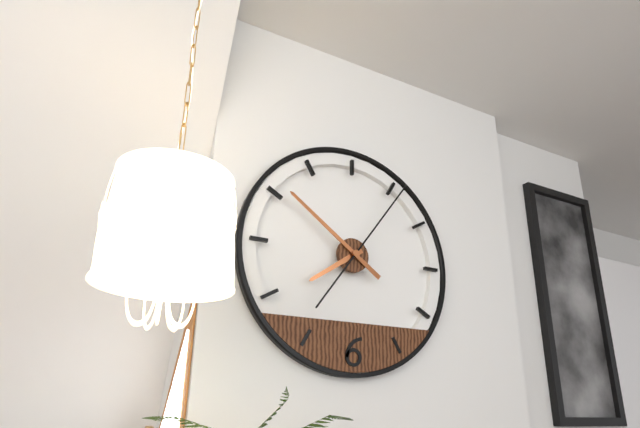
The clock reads h=7 m=51 s=6
